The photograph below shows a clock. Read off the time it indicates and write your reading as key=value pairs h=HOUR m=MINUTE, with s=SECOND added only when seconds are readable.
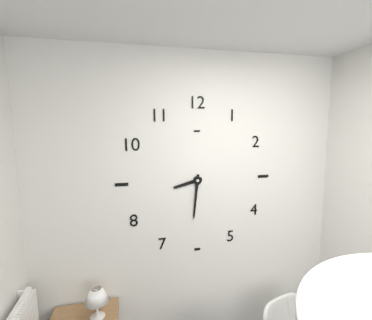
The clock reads h=8 m=31
